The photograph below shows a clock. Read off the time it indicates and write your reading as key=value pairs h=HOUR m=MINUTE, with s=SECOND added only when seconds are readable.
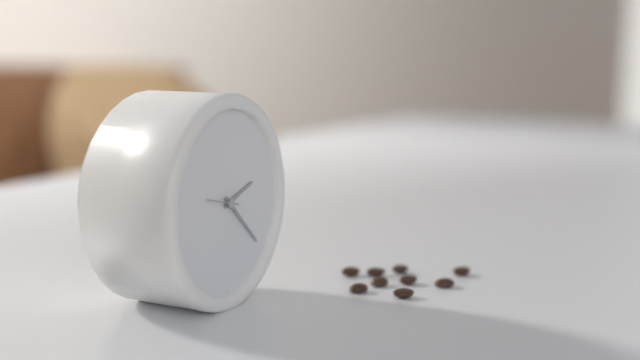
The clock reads h=2 m=22
